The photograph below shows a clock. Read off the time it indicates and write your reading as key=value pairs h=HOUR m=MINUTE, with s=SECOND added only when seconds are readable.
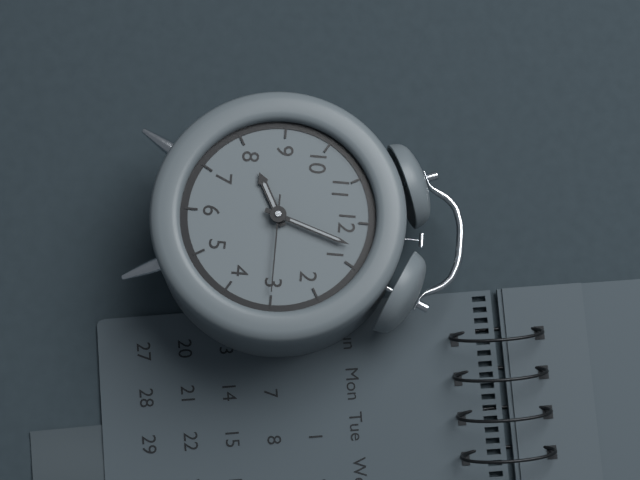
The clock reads h=8 m=3 s=15
